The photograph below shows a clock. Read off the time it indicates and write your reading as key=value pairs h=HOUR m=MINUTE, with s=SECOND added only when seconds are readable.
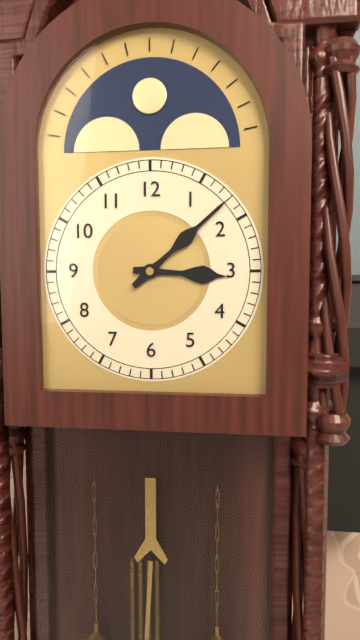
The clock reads h=3 m=8
